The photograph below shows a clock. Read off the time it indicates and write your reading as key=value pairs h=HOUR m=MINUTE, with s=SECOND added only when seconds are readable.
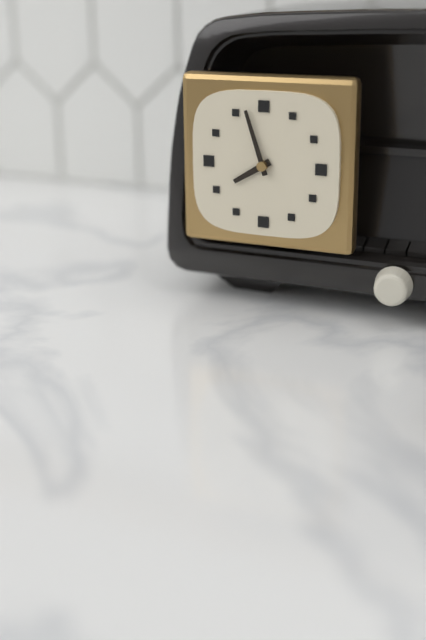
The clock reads h=7 m=57
